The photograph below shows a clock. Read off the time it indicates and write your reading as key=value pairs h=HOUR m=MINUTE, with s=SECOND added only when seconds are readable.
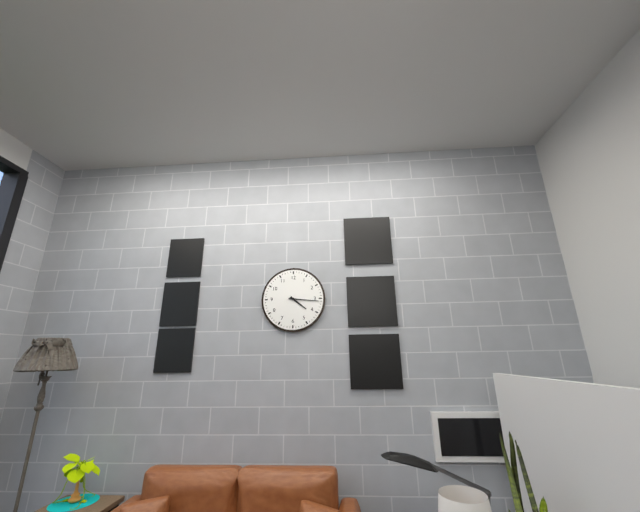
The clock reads h=4 m=16
